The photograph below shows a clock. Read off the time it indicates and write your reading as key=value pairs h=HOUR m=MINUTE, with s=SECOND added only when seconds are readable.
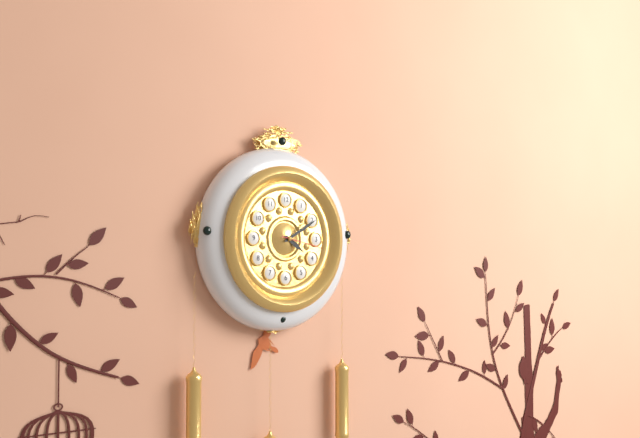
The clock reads h=4 m=10
